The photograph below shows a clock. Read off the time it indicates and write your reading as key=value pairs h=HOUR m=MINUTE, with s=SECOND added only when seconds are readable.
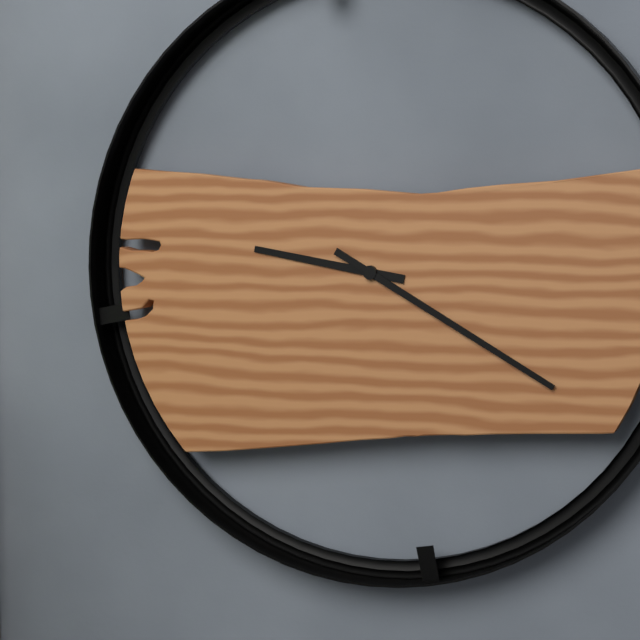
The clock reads h=9 m=20
